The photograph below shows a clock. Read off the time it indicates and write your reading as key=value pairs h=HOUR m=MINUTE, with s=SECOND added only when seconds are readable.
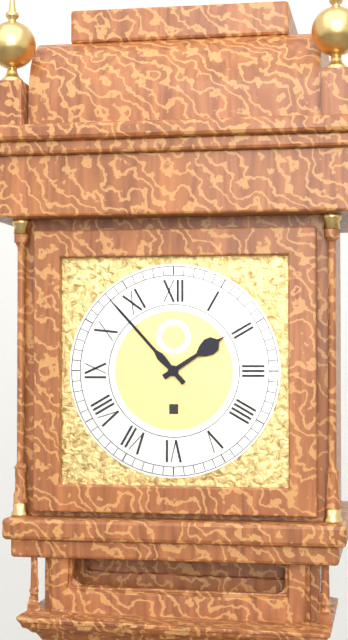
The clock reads h=1 m=53
